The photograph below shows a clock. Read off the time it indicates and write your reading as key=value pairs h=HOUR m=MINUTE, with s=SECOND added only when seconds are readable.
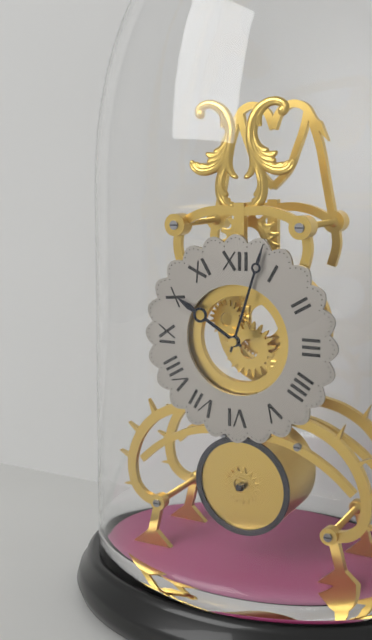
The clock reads h=10 m=3
